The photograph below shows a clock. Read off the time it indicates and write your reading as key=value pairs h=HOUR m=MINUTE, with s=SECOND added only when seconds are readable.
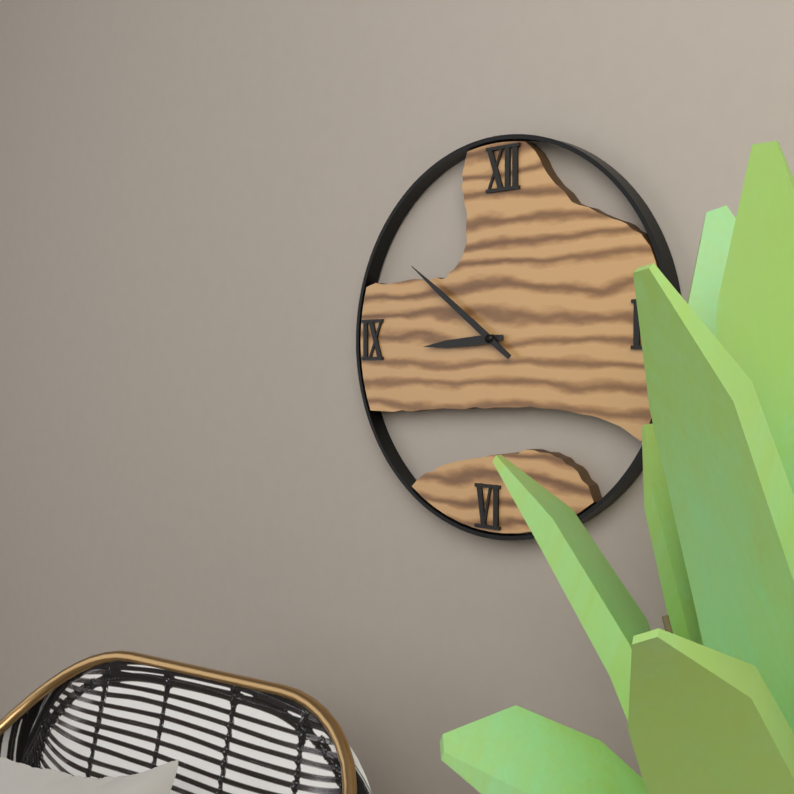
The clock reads h=8 m=51
